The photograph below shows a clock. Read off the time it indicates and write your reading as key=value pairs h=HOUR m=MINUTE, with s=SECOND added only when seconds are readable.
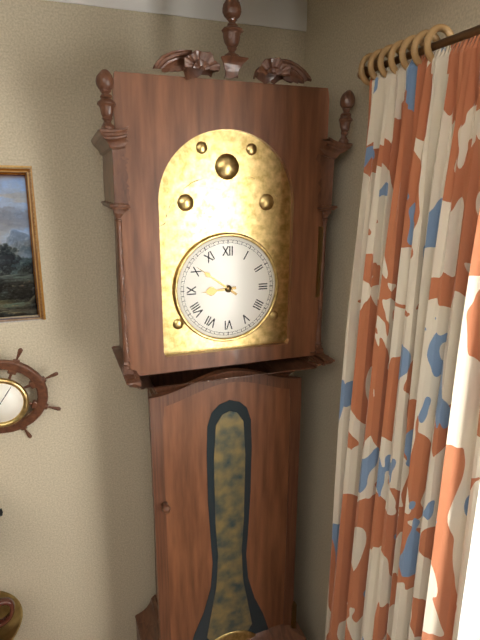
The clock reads h=8 m=51
